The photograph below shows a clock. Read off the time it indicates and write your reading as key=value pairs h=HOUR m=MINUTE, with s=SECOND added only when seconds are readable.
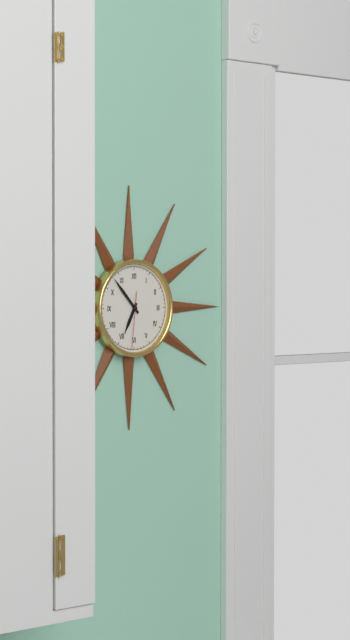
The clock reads h=6 m=53 s=31
